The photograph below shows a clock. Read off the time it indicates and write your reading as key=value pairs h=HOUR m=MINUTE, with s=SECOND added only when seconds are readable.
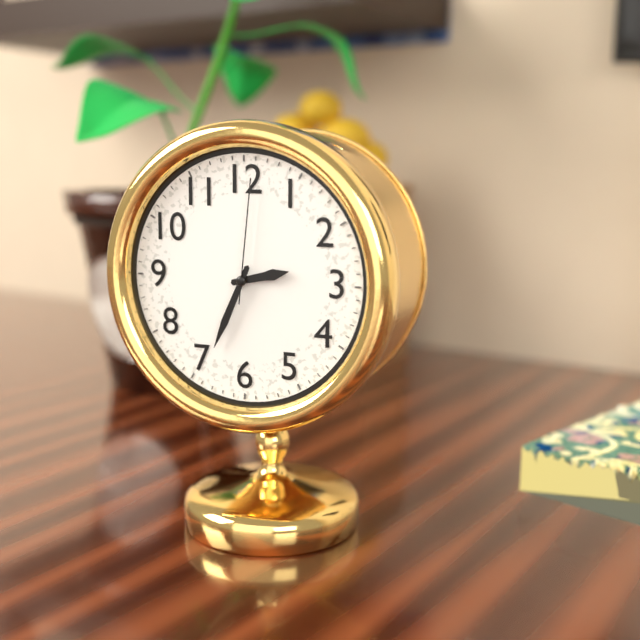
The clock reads h=2 m=34 s=1
